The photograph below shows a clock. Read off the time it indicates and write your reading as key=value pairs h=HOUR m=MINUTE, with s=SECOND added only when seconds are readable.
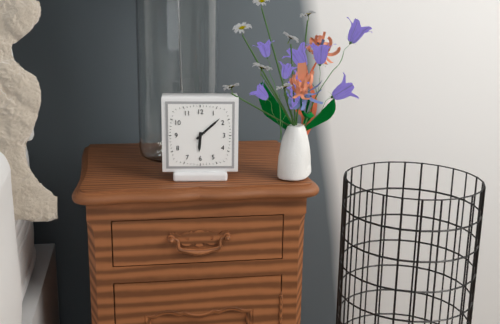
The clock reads h=6 m=8
